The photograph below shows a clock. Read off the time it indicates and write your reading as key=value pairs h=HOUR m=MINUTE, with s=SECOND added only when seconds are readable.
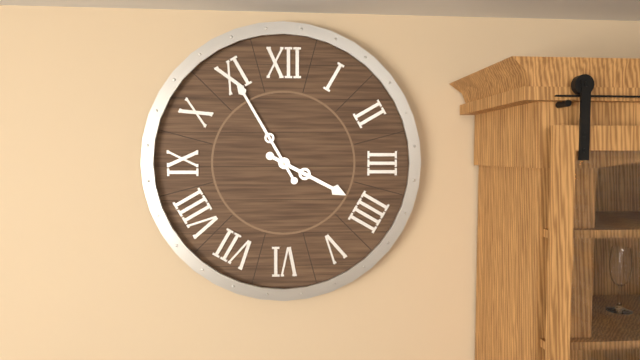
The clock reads h=3 m=55
